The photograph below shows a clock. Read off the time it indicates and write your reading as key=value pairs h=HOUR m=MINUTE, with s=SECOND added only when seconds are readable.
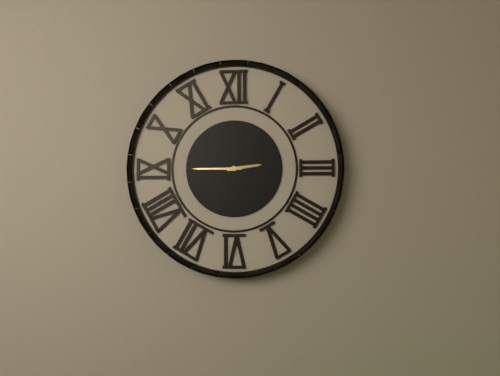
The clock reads h=2 m=45
